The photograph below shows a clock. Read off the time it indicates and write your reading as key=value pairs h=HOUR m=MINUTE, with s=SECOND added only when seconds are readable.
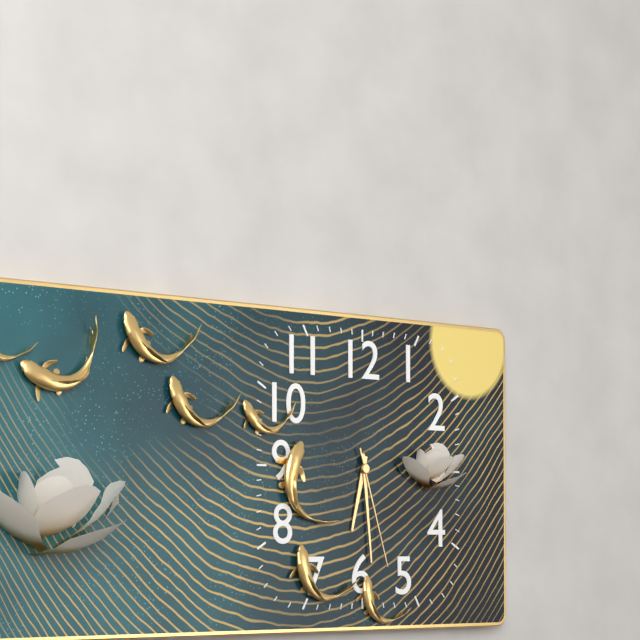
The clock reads h=6 m=29 s=27
